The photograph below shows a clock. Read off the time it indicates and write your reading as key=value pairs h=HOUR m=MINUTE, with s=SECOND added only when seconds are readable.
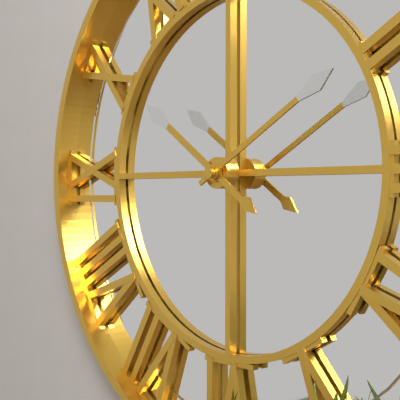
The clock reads h=10 m=10
